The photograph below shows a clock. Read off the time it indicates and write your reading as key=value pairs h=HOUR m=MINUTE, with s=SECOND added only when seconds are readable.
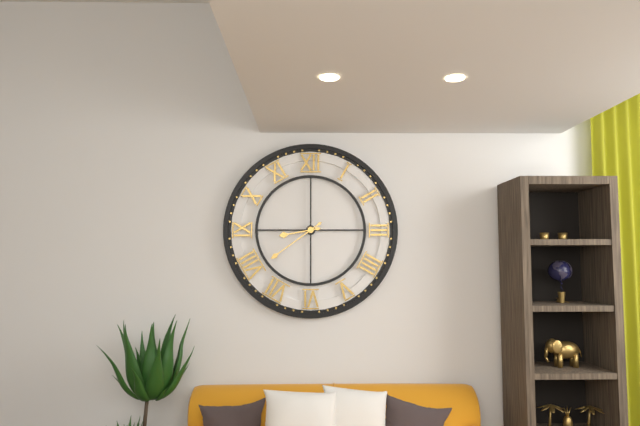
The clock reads h=8 m=39
